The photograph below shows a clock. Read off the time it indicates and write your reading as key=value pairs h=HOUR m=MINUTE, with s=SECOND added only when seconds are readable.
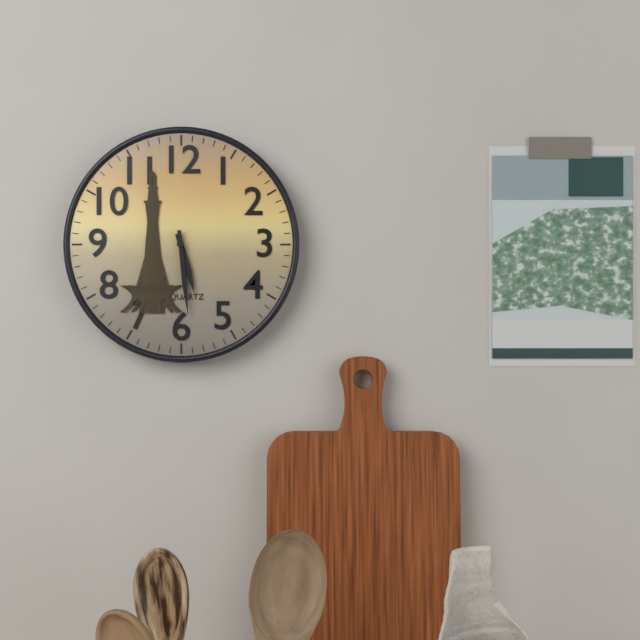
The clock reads h=5 m=29
